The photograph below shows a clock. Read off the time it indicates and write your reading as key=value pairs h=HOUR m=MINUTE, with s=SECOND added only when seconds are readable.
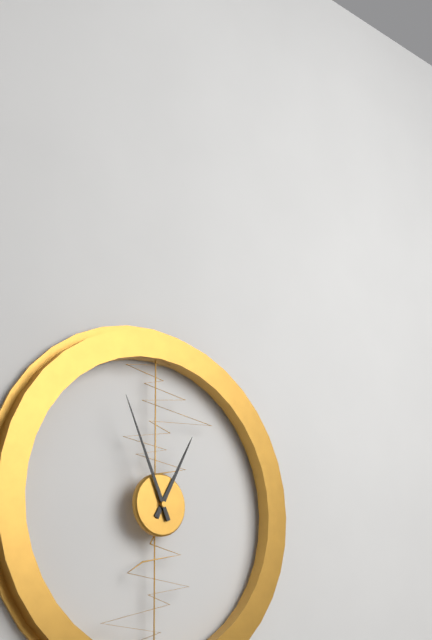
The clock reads h=12 m=56
